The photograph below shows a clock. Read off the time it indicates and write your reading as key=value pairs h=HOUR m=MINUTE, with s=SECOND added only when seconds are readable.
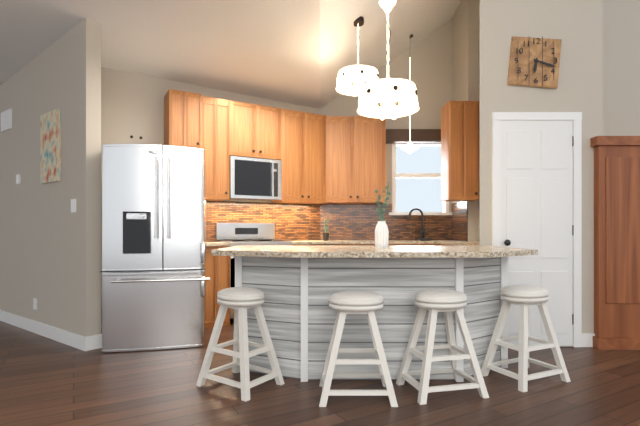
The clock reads h=6 m=18
